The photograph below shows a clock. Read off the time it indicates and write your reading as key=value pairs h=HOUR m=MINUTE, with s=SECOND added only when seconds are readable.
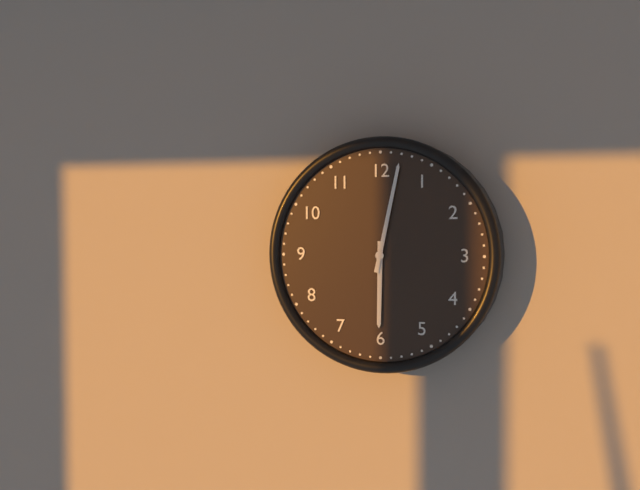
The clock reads h=6 m=2
